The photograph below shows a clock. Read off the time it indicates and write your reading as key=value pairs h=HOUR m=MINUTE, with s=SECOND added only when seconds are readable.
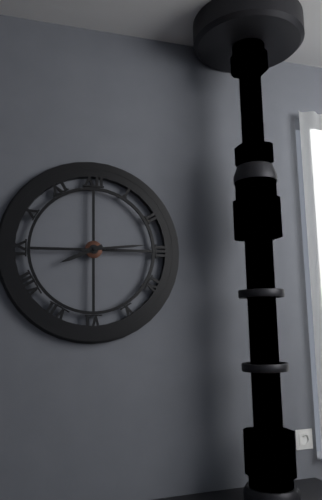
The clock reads h=8 m=14
